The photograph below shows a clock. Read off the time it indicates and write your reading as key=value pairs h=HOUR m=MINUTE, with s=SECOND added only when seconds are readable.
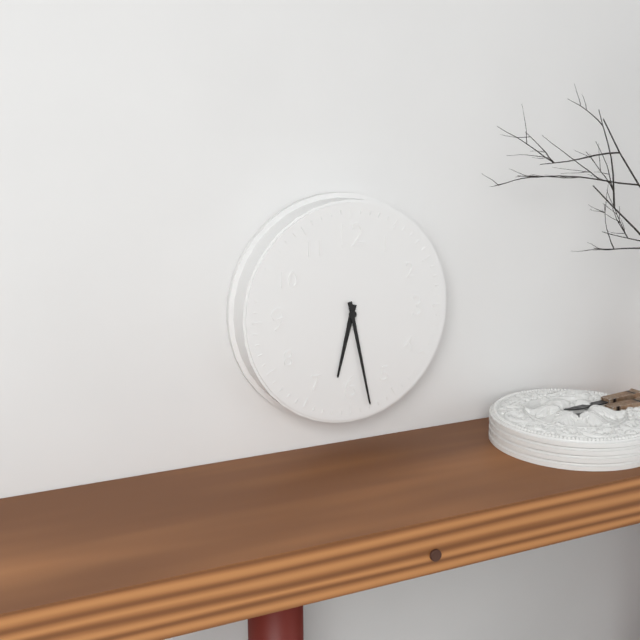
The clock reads h=6 m=28
